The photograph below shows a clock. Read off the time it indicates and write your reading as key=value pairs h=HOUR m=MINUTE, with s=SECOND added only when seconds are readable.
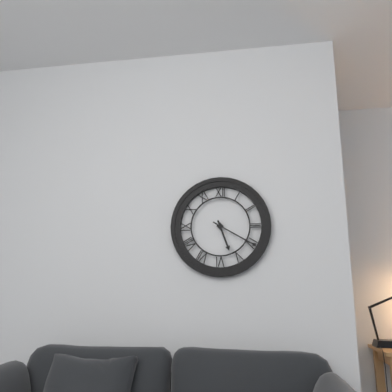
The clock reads h=5 m=20
